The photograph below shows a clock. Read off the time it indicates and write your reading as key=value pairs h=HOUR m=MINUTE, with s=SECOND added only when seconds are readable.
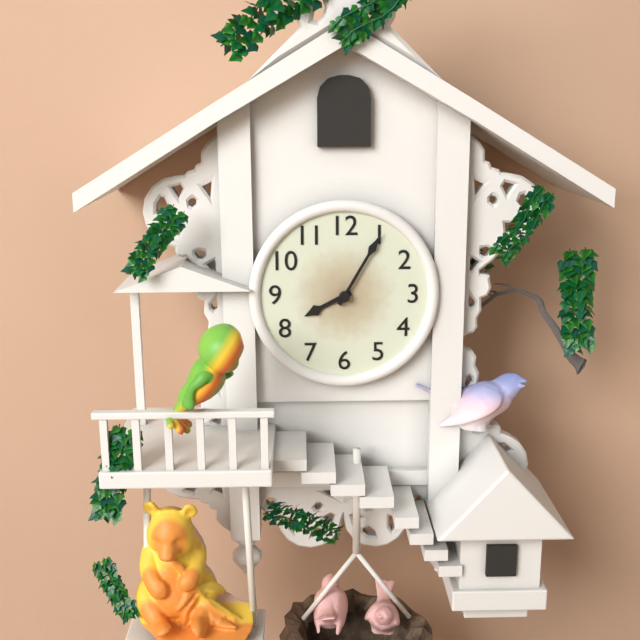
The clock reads h=8 m=5
